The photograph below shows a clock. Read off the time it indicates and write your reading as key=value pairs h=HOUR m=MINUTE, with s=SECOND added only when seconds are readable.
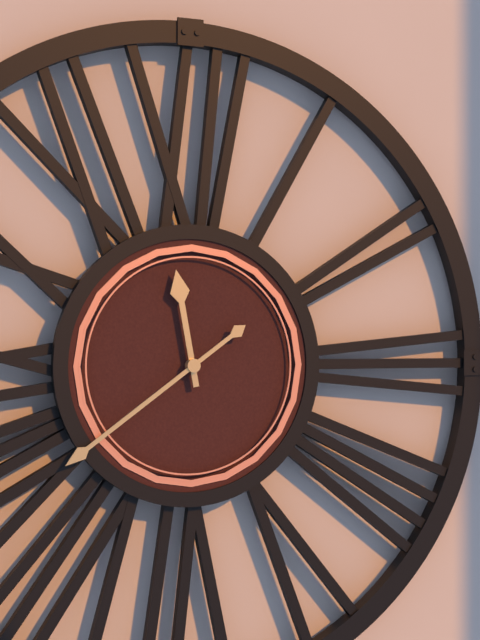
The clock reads h=11 m=39
